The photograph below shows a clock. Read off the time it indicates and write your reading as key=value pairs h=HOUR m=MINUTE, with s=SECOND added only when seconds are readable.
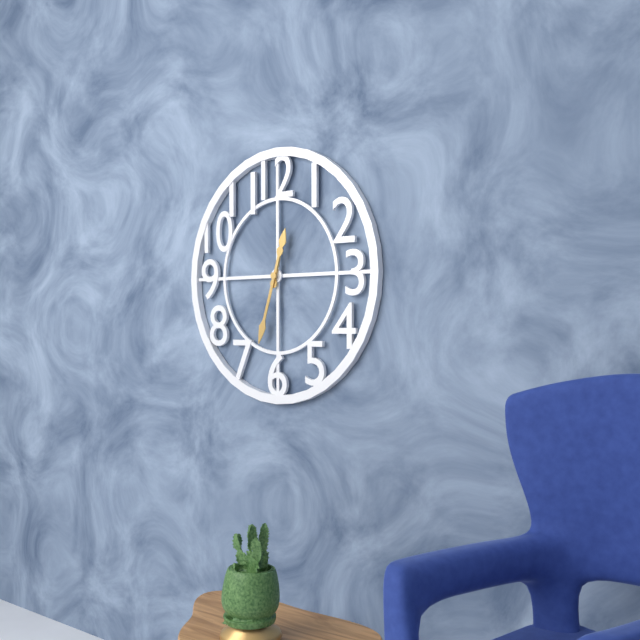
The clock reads h=12 m=33
